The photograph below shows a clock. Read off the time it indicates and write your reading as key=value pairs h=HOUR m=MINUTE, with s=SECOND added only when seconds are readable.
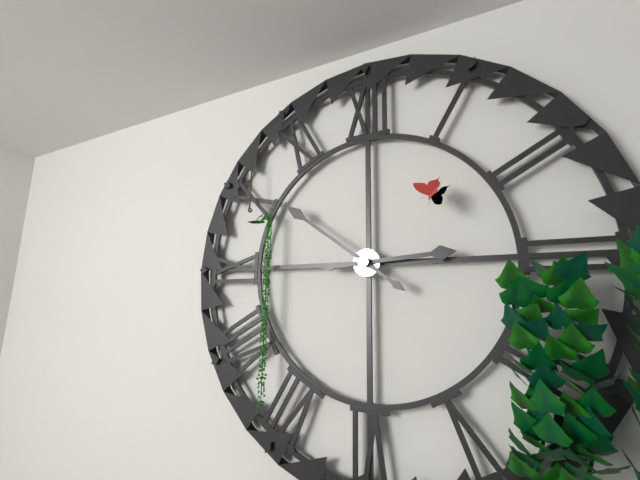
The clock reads h=2 m=51
